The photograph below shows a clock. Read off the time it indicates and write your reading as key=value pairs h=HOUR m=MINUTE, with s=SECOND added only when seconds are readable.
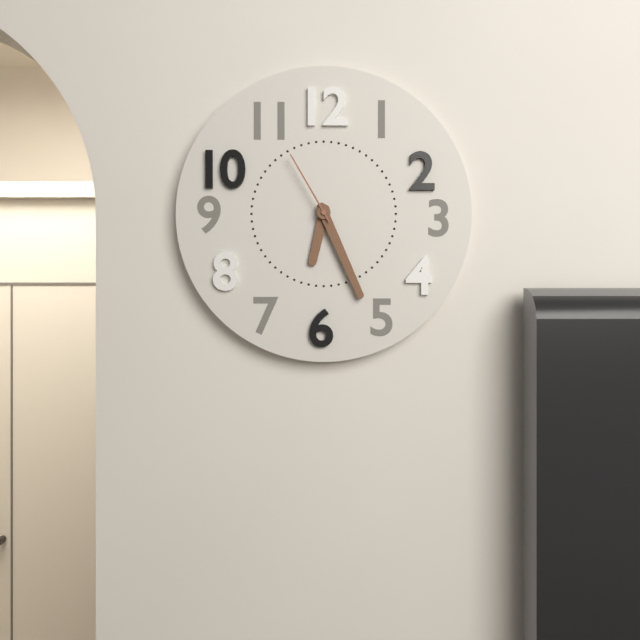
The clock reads h=6 m=26 s=55
